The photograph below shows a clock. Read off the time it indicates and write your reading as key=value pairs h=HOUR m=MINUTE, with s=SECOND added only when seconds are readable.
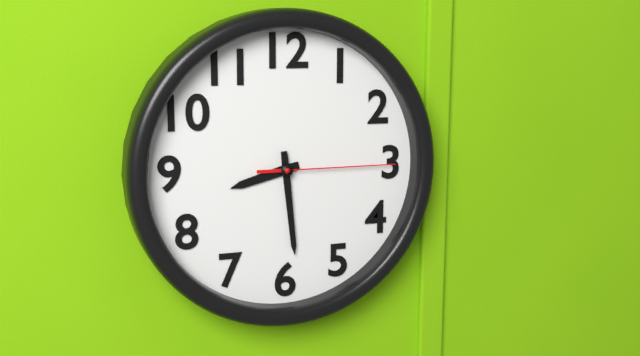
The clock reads h=8 m=29 s=15
